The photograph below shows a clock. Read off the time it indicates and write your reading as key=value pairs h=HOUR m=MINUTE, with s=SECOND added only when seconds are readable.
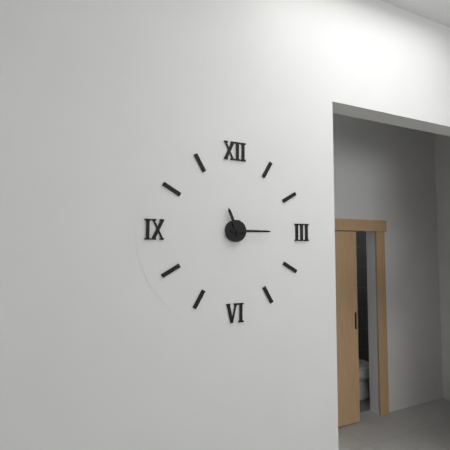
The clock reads h=11 m=15
